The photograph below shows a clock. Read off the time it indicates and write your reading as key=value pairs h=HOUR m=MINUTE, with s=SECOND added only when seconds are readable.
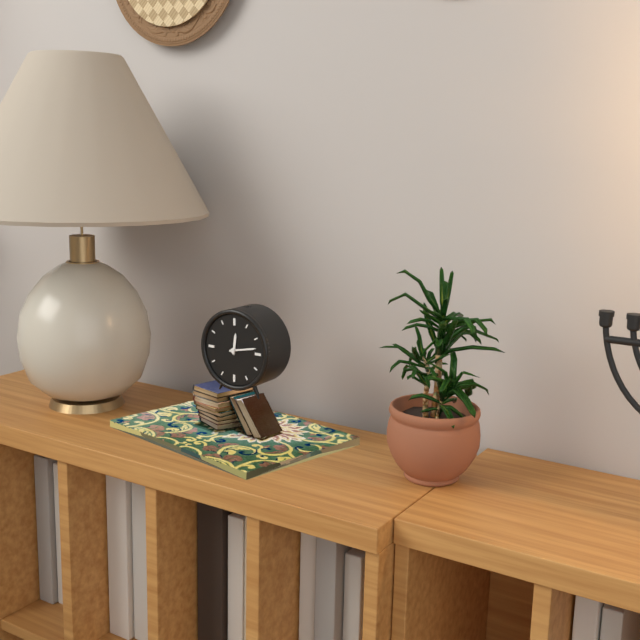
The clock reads h=12 m=13
